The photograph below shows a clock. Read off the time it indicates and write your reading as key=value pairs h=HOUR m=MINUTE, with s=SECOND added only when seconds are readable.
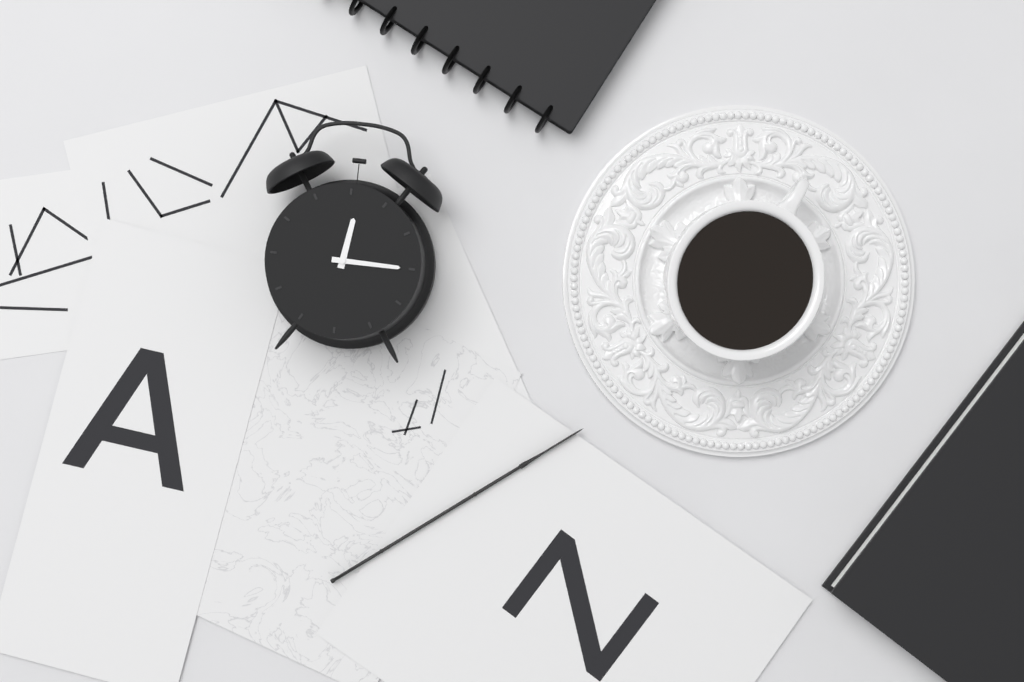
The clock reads h=12 m=15
